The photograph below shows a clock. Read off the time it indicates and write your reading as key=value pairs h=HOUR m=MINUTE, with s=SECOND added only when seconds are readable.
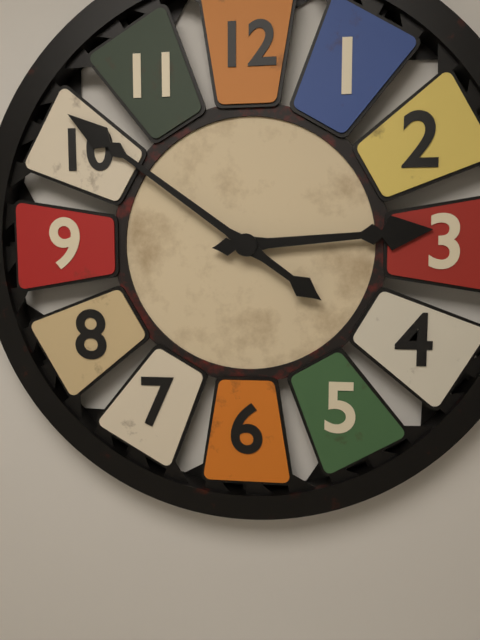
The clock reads h=2 m=51
